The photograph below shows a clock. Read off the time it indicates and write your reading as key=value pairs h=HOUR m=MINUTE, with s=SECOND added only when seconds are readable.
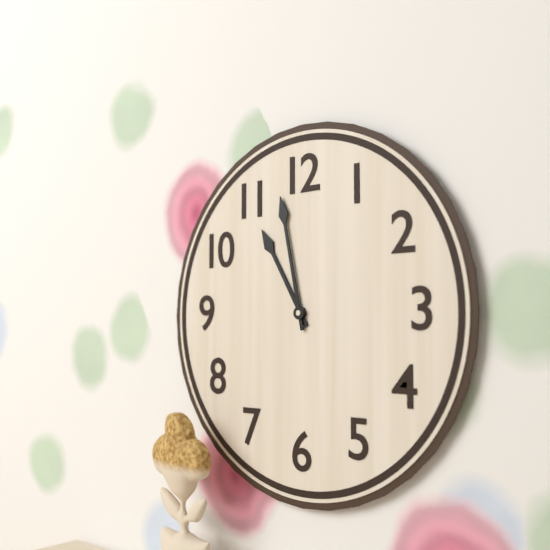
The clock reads h=10 m=58
